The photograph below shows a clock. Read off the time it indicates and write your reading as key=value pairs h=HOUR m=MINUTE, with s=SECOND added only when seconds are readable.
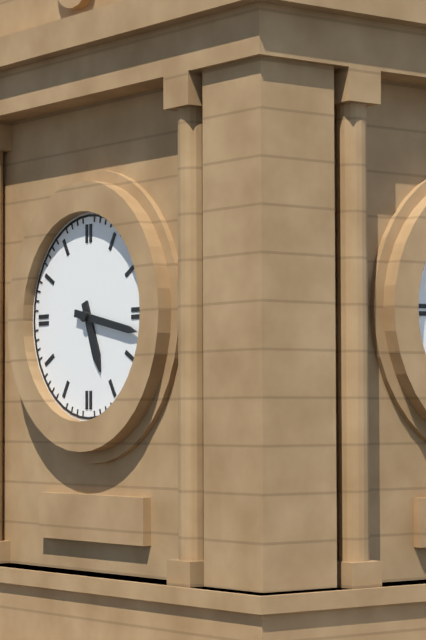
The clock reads h=5 m=17
